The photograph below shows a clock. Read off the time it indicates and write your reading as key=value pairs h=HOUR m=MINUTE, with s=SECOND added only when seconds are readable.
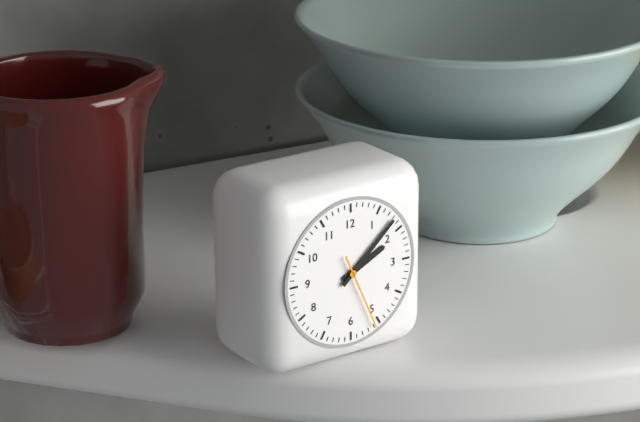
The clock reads h=2 m=8 s=26
